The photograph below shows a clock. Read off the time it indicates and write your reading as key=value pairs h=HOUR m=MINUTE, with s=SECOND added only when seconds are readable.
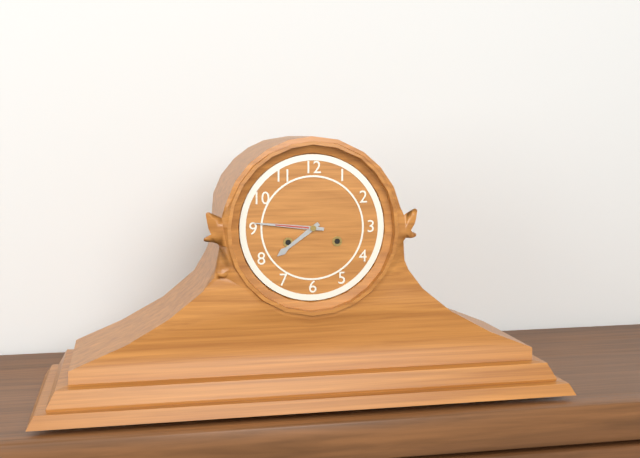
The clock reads h=7 m=46
